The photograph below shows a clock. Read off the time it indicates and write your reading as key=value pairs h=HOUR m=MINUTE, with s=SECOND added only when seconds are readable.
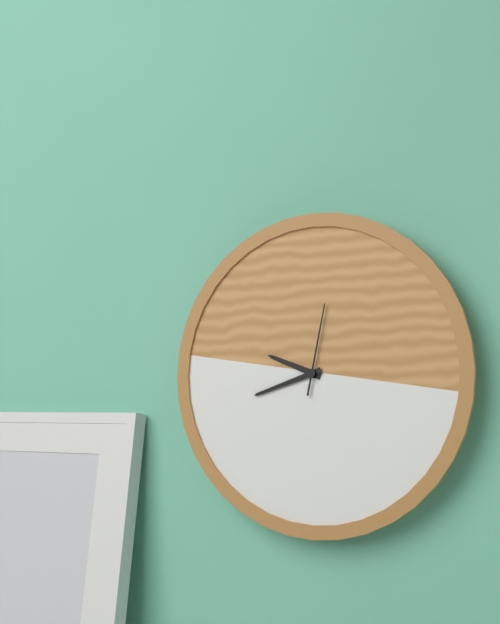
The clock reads h=9 m=42 s=2
